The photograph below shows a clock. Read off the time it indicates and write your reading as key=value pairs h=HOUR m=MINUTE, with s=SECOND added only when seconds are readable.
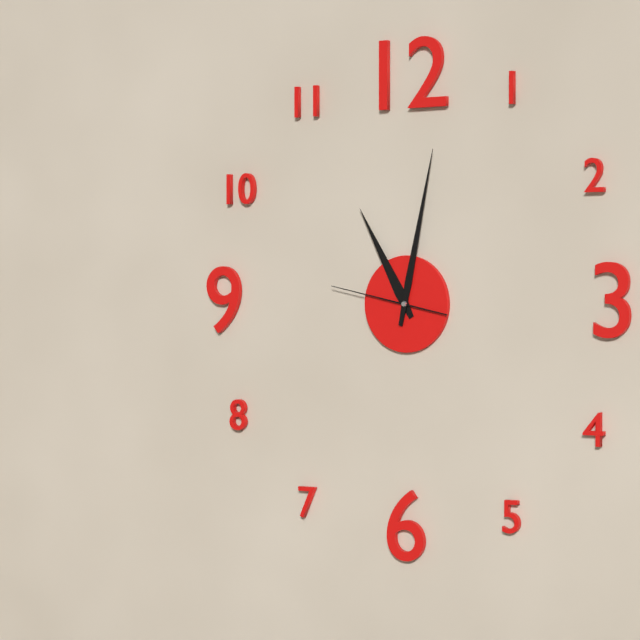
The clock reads h=11 m=2 s=47
